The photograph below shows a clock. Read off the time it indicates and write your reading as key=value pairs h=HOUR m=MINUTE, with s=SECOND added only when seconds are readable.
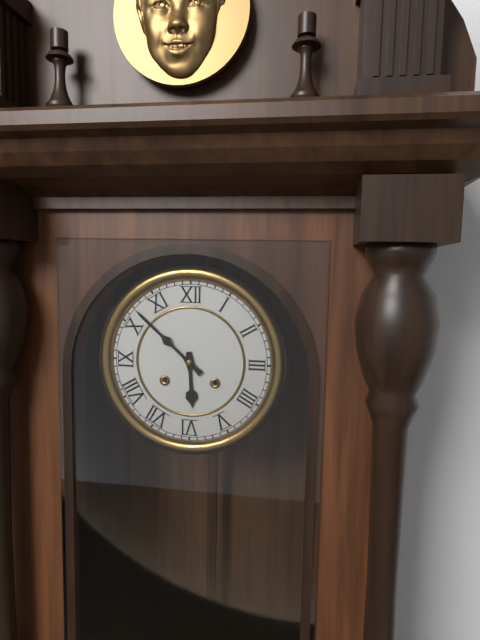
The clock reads h=5 m=52
